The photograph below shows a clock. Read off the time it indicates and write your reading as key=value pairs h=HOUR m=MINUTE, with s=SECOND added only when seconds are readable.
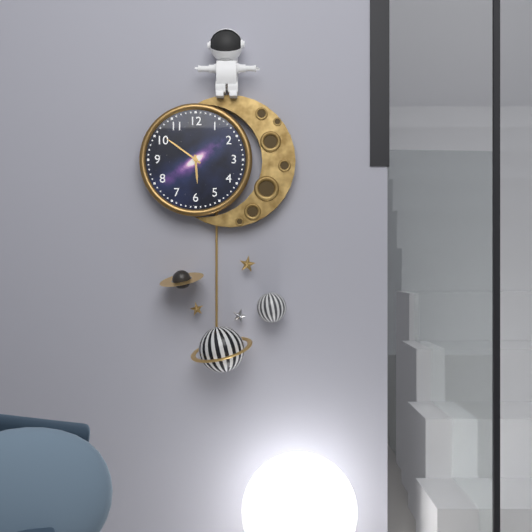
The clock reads h=5 m=51
